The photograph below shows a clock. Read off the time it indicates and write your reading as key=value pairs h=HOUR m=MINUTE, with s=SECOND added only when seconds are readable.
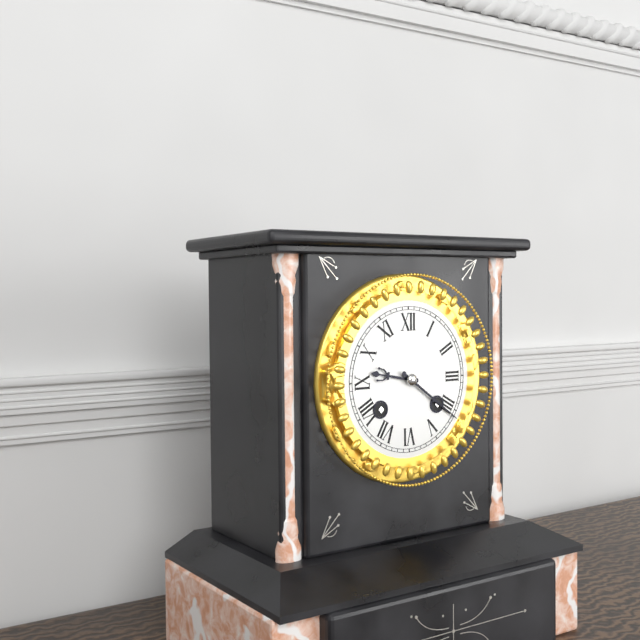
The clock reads h=9 m=21
